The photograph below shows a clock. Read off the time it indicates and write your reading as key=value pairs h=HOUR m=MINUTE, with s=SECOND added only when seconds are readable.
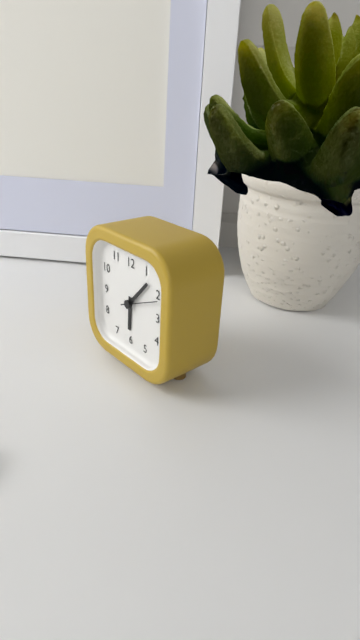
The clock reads h=6 m=7
